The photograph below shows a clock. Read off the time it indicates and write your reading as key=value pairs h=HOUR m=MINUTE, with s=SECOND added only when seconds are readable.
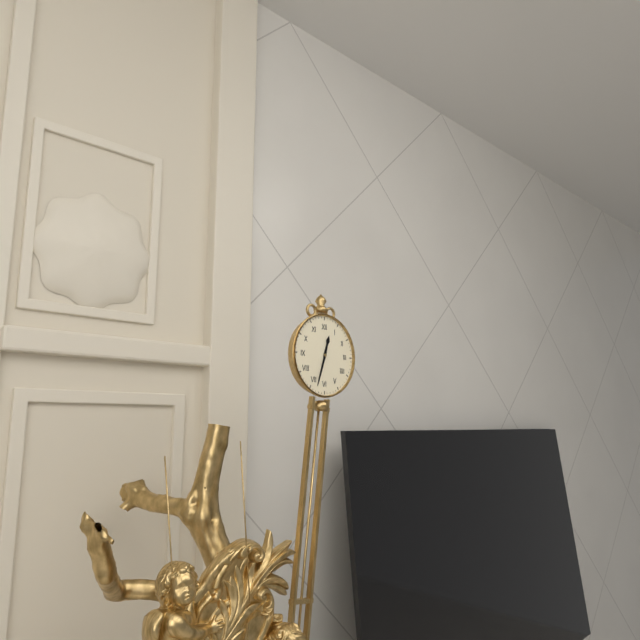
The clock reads h=12 m=33
